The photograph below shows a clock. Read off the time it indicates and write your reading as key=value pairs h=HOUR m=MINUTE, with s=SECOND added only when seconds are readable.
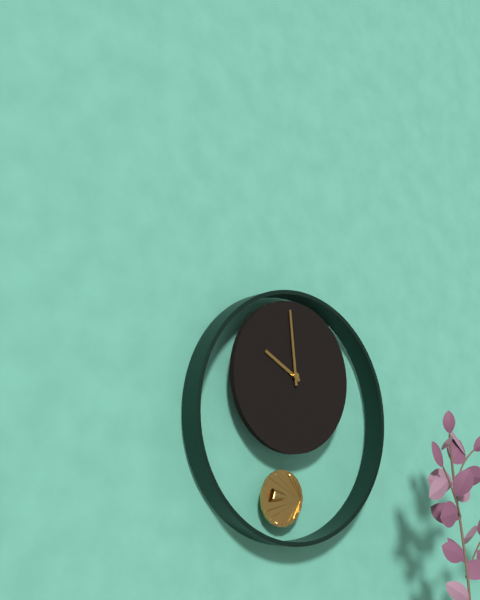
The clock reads h=9 m=59
